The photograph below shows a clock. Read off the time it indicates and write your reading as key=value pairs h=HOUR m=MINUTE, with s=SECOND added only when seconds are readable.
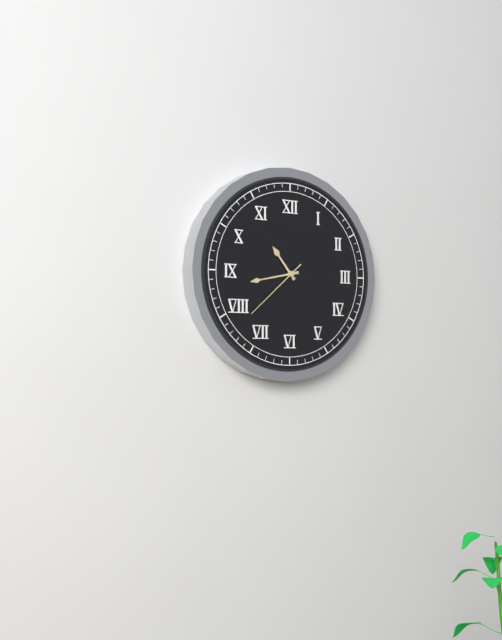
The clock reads h=10 m=43 s=38
